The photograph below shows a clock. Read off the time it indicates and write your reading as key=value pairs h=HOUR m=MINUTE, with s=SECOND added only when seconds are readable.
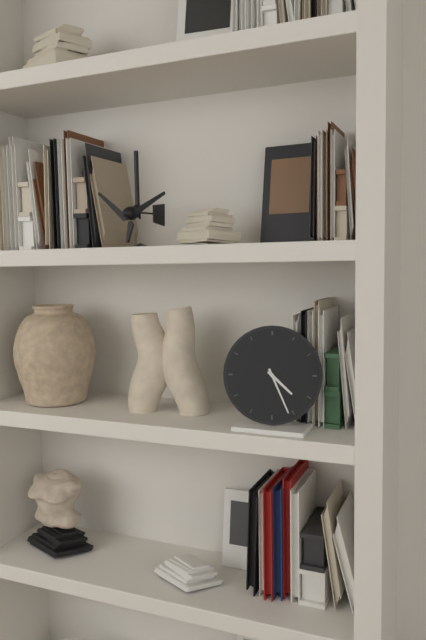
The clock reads h=4 m=26
